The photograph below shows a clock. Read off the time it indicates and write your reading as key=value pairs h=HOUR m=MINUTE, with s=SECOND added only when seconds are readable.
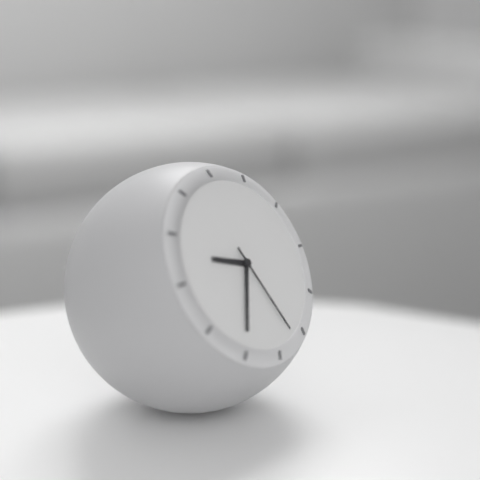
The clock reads h=9 m=35 s=27
